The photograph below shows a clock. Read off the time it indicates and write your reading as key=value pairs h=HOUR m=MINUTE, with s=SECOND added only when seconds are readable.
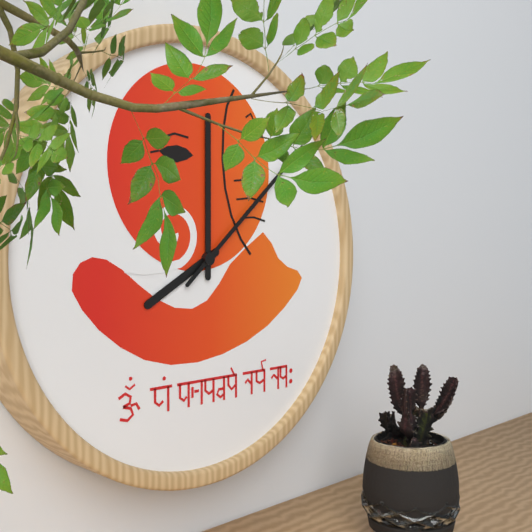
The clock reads h=8 m=0 s=8
